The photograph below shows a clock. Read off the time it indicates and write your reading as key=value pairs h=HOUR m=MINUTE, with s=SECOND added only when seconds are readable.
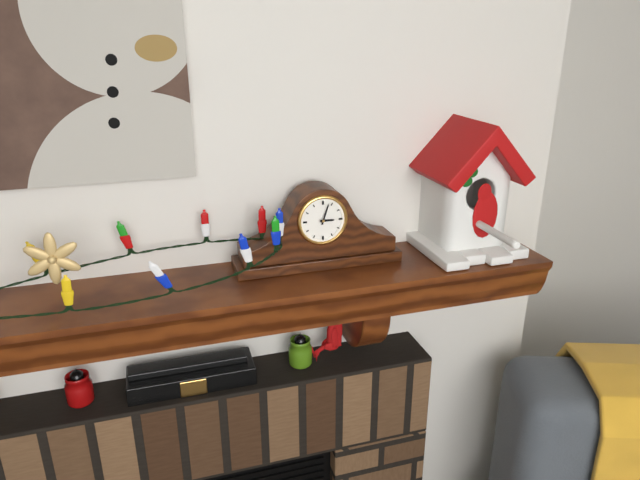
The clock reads h=3 m=3
